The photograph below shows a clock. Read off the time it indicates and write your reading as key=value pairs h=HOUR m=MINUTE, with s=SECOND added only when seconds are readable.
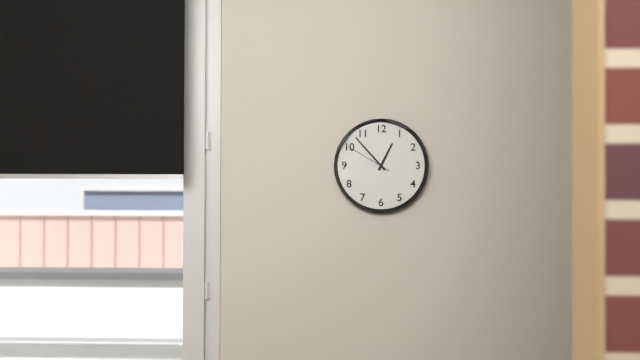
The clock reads h=12 m=53
